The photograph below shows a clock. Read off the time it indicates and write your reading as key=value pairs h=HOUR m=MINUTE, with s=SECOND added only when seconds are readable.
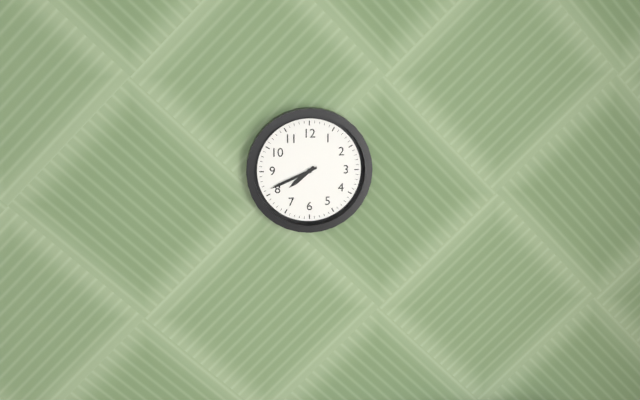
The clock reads h=7 m=41
